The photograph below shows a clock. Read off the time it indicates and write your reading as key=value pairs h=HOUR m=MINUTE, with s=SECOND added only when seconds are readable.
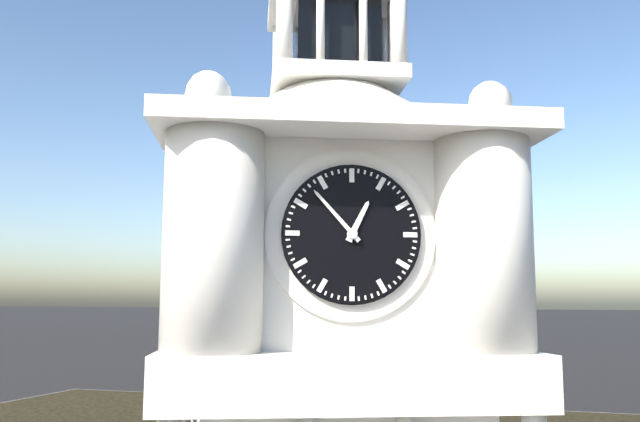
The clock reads h=12 m=53
